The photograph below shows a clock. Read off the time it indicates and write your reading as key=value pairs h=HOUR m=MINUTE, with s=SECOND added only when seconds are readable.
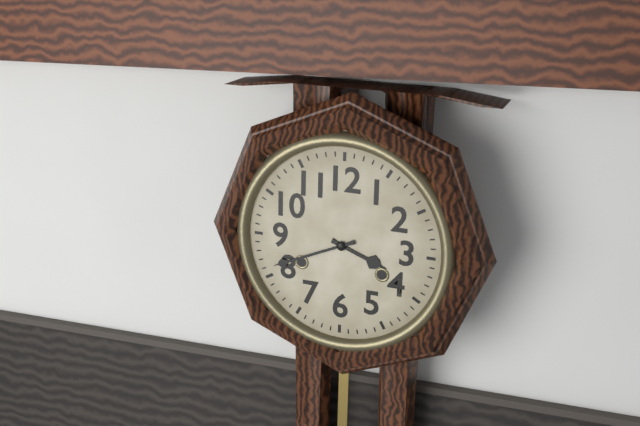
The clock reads h=3 m=41
